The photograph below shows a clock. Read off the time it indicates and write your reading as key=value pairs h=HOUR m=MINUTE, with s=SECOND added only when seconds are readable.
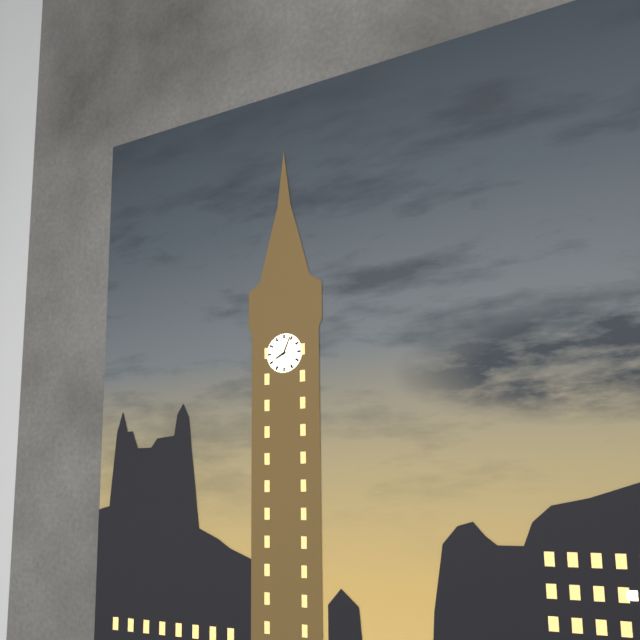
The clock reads h=8 m=4
